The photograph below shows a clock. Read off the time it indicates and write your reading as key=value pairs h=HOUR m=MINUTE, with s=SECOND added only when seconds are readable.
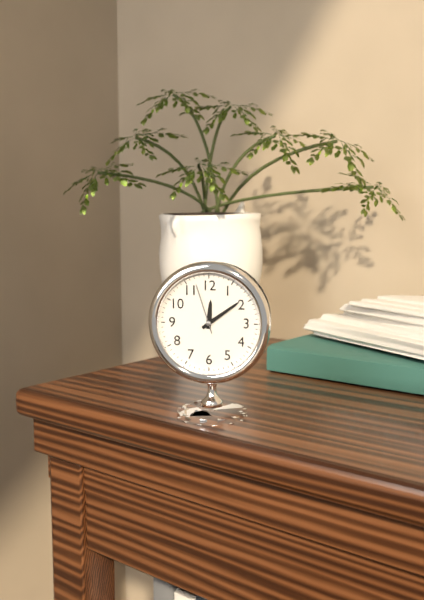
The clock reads h=12 m=9 s=57
